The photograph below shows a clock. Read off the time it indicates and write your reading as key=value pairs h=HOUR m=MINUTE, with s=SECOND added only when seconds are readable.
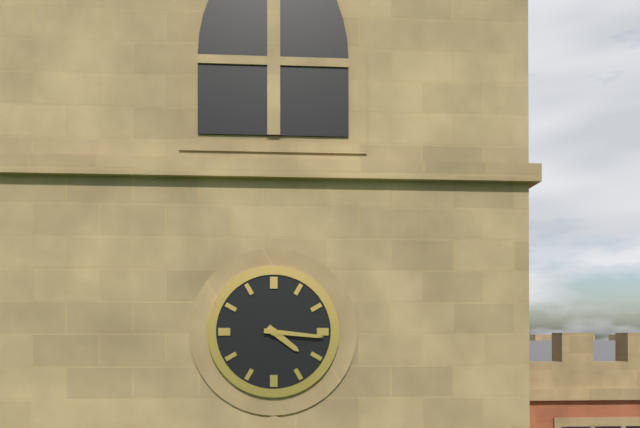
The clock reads h=4 m=16
